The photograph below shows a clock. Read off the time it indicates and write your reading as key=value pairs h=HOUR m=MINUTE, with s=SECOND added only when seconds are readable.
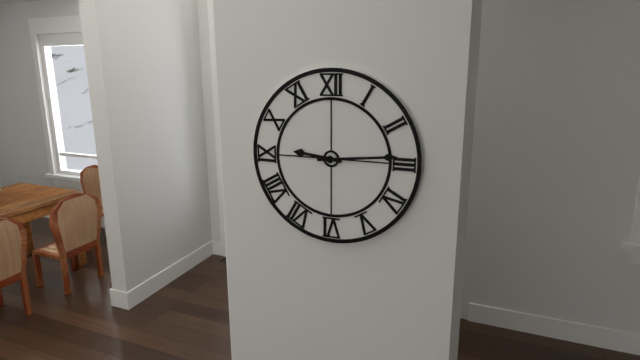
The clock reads h=9 m=14
